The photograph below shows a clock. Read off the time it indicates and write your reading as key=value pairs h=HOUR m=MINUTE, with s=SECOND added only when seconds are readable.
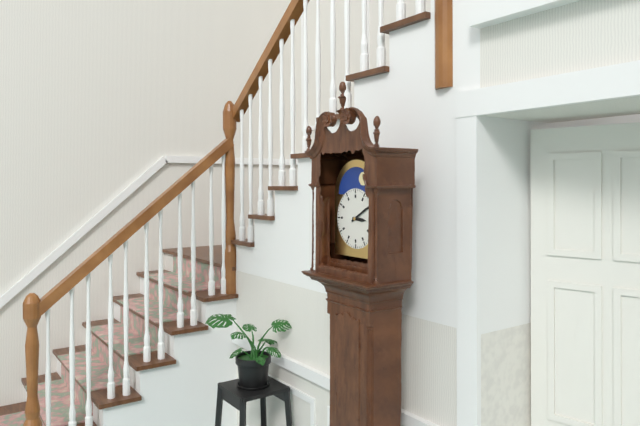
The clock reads h=3 m=10
